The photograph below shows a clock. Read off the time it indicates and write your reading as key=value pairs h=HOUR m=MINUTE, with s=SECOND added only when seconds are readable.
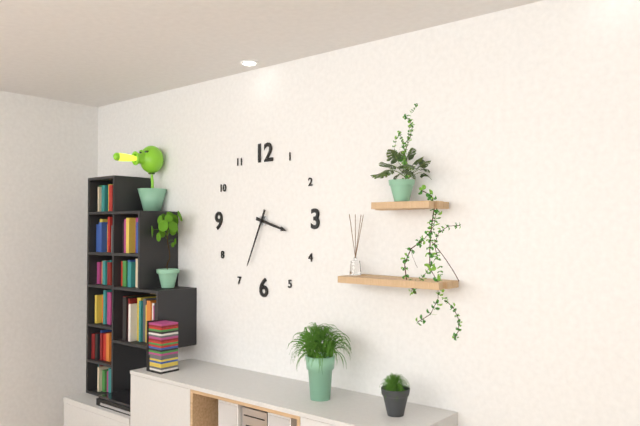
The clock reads h=3 m=34
